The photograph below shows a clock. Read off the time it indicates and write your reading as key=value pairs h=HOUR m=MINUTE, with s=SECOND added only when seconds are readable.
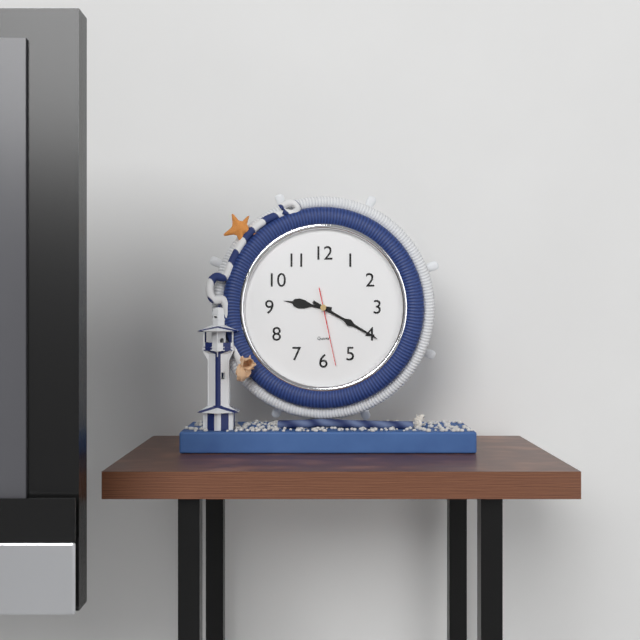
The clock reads h=9 m=20 s=28
